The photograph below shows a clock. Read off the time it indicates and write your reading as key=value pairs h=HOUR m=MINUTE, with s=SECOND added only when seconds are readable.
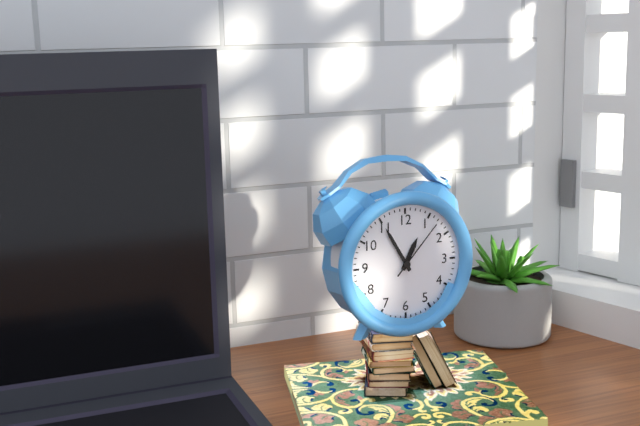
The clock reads h=12 m=55 s=7
